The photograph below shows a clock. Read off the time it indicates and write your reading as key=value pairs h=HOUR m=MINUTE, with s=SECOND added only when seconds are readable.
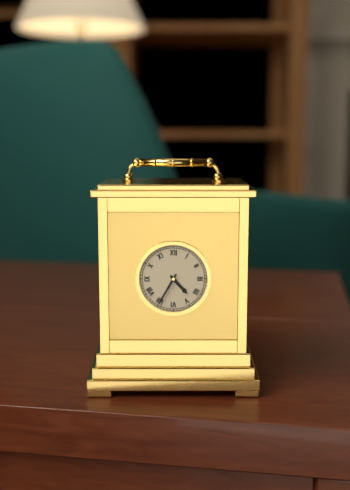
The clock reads h=4 m=35
